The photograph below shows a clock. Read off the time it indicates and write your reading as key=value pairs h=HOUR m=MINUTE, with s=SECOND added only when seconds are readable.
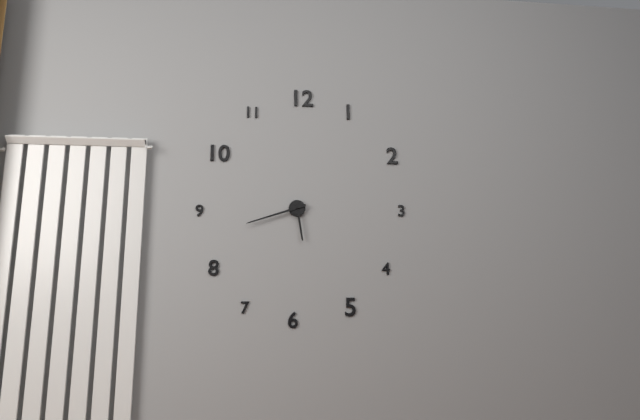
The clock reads h=5 m=42
